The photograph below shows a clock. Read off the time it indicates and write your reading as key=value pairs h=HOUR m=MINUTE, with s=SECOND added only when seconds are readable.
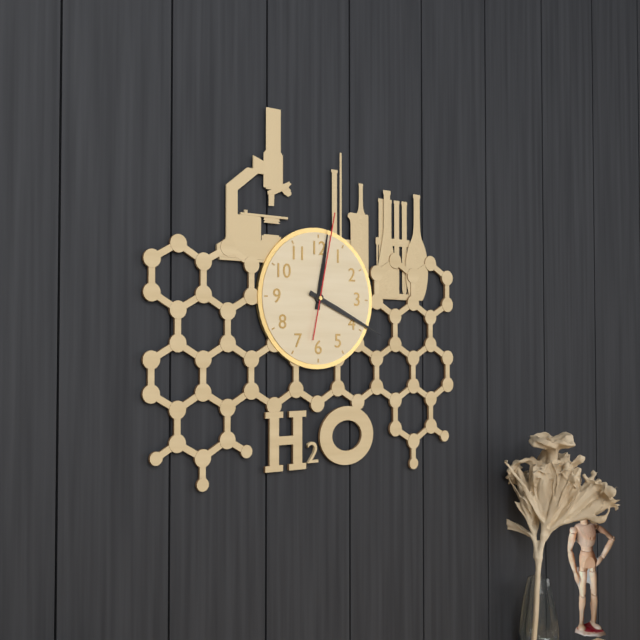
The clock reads h=12 m=19 s=2
